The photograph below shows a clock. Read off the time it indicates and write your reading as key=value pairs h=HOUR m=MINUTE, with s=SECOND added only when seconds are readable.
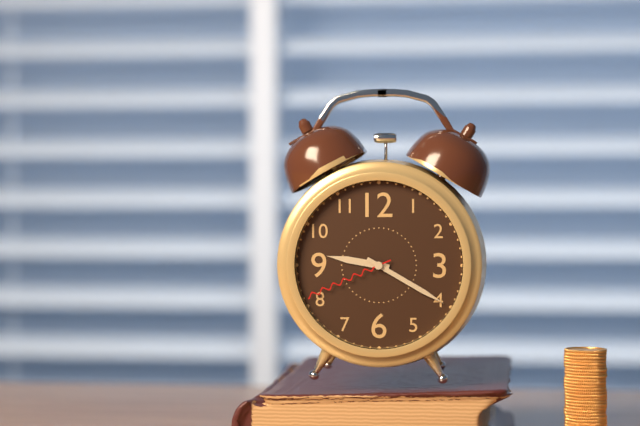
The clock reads h=9 m=20 s=41
